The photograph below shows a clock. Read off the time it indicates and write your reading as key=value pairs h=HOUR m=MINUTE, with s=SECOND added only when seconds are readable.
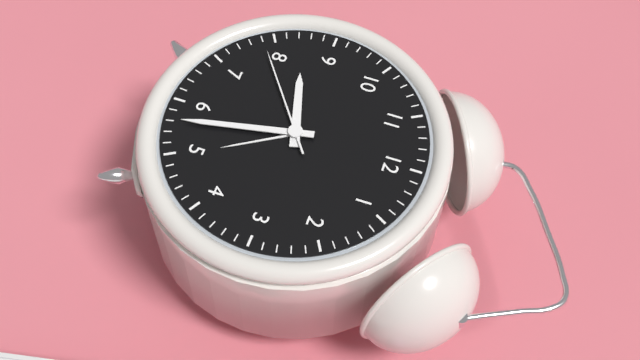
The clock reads h=8 m=28 s=39
